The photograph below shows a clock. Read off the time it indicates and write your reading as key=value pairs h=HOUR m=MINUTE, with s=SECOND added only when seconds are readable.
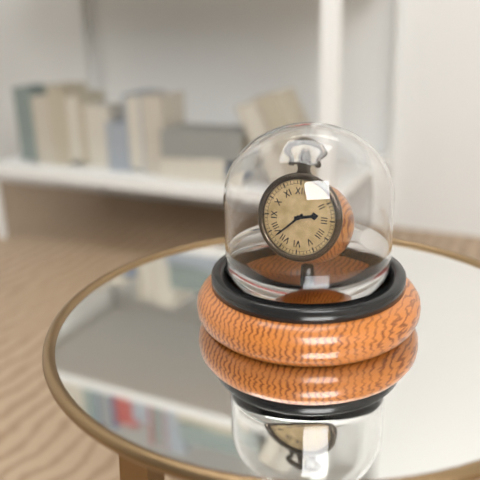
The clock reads h=2 m=38
